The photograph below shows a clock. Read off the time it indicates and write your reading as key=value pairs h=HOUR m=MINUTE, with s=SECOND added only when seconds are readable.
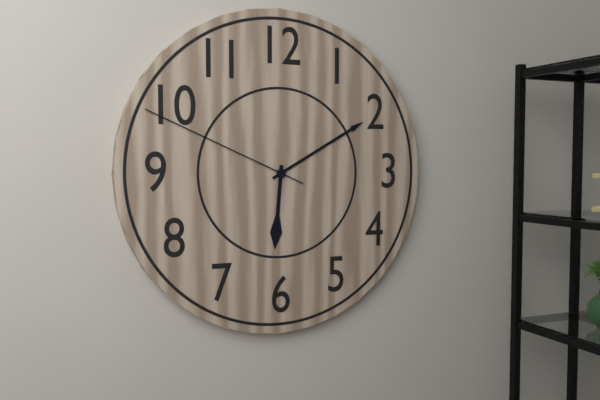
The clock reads h=6 m=10 s=49
